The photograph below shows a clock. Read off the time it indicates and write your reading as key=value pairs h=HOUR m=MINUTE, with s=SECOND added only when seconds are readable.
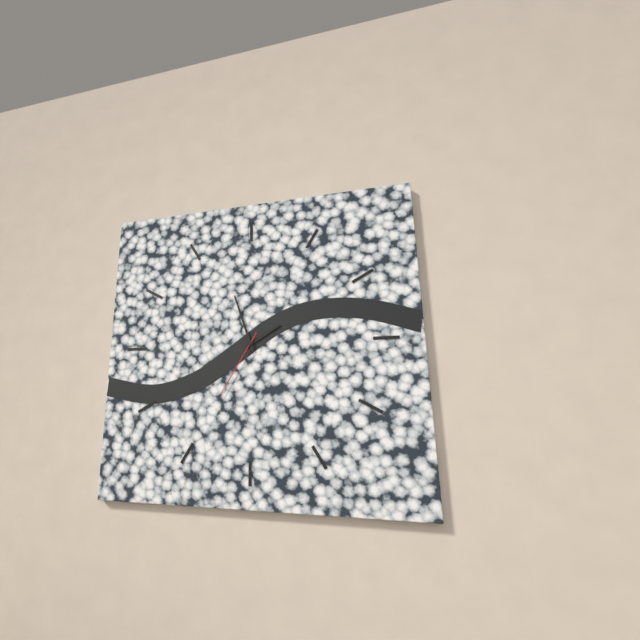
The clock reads h=1 m=57 s=35
